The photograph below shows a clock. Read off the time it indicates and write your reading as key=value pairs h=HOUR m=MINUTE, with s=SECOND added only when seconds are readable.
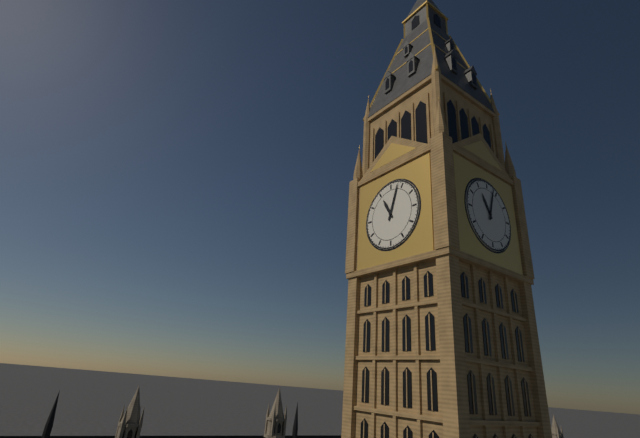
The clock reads h=11 m=3
